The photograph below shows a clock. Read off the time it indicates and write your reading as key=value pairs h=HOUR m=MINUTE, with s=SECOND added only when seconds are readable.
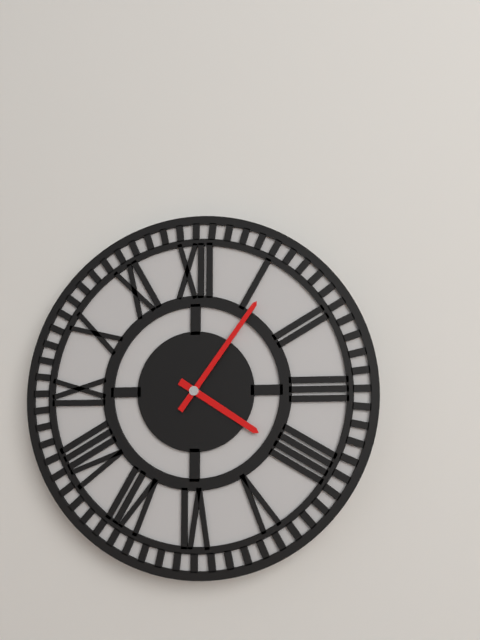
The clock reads h=4 m=6
